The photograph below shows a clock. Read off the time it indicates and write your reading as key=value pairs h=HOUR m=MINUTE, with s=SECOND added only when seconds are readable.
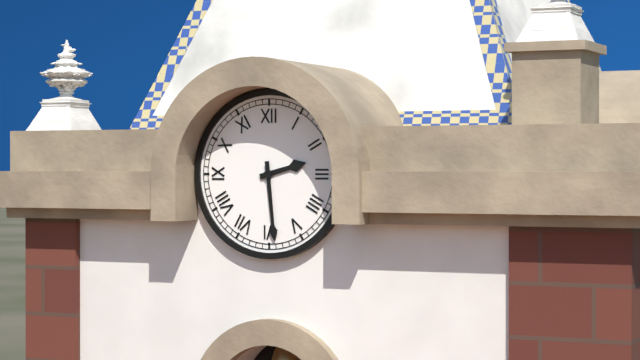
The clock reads h=2 m=29
